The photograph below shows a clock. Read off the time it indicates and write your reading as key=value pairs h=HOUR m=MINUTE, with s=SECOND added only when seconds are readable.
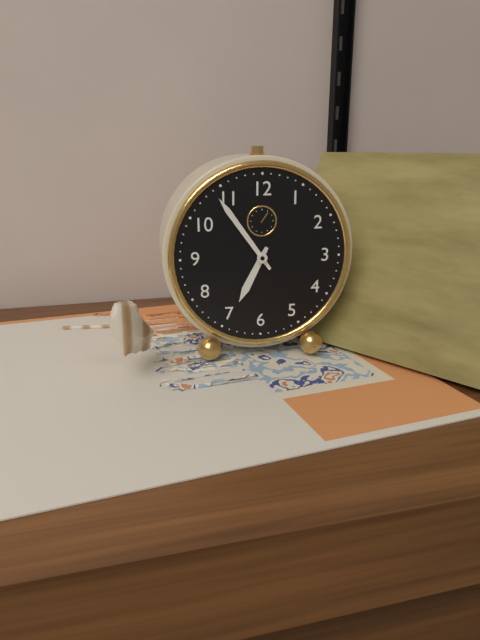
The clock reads h=6 m=54
